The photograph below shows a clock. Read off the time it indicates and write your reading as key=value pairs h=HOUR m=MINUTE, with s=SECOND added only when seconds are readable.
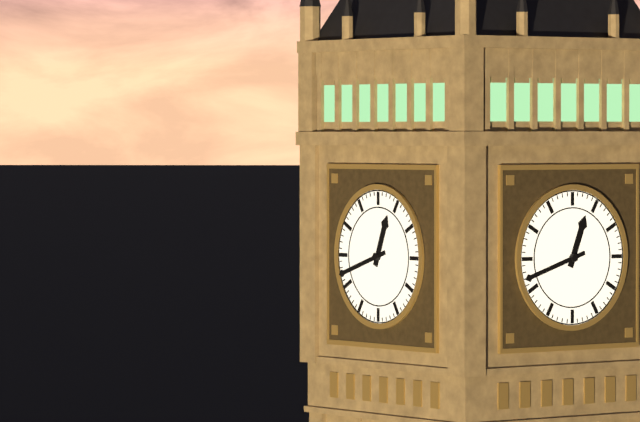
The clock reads h=12 m=42
